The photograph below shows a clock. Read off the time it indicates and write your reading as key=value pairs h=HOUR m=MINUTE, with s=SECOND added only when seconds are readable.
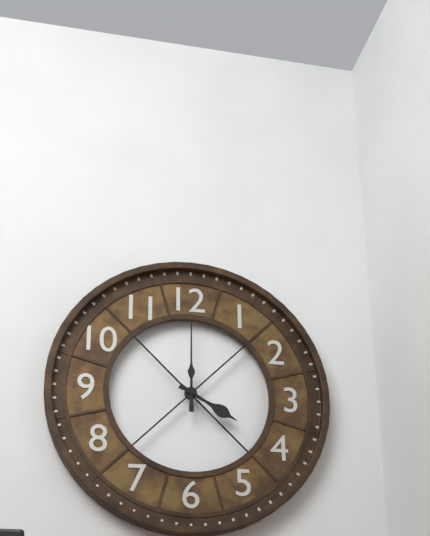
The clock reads h=4 m=0
